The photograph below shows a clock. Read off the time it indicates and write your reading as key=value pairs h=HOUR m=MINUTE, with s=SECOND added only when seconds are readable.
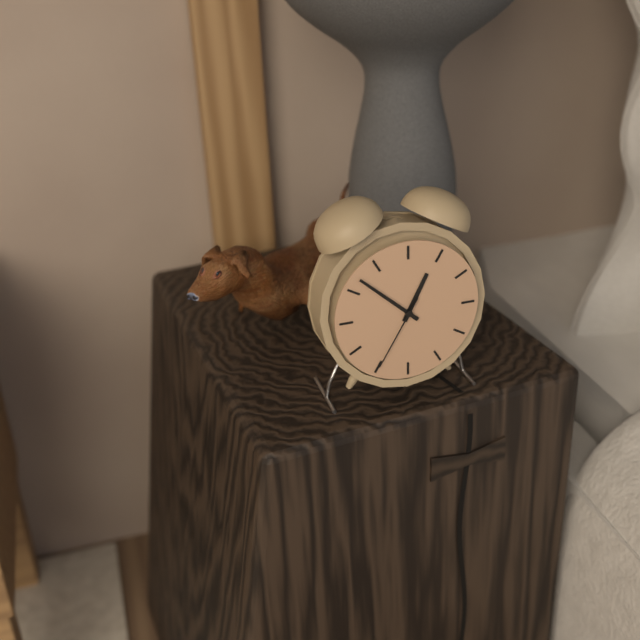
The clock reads h=12 m=52 s=35
